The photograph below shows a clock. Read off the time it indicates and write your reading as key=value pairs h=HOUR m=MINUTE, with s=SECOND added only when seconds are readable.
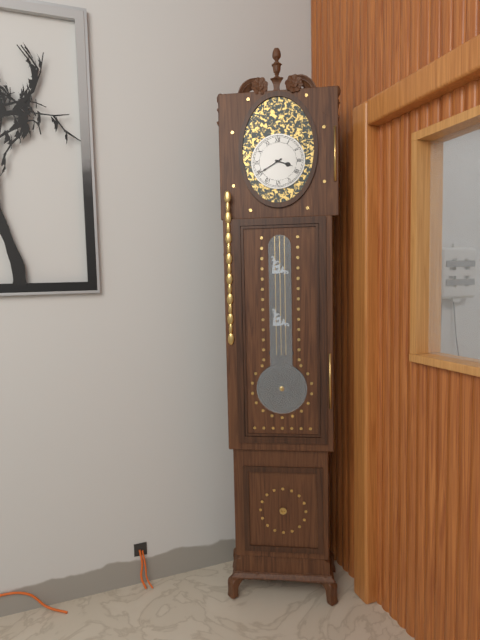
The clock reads h=3 m=40
